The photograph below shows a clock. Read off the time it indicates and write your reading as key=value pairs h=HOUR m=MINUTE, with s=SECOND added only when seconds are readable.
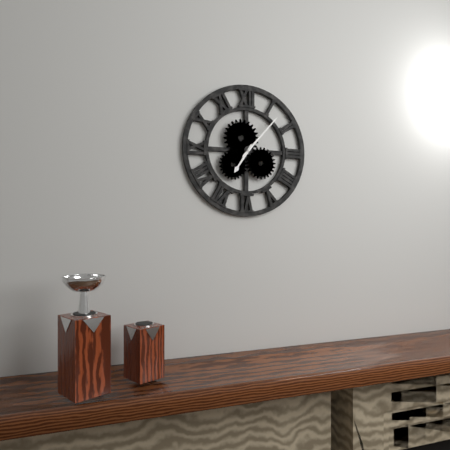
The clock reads h=7 m=7
